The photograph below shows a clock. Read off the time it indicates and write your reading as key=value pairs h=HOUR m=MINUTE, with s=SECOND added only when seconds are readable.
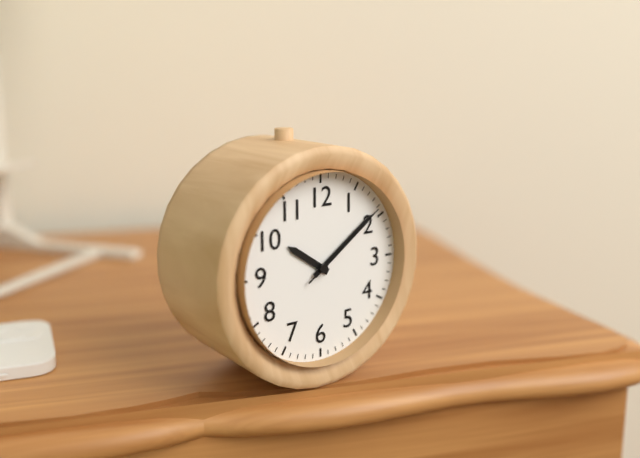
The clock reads h=10 m=9 s=9
